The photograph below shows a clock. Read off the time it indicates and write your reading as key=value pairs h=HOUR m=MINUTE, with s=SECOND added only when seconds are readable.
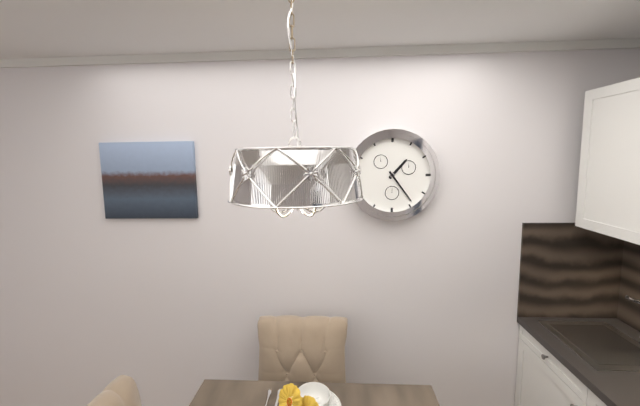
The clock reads h=1 m=24
